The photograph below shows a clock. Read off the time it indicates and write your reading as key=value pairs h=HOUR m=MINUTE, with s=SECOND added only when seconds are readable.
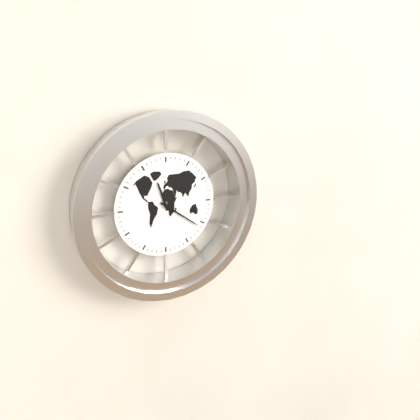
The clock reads h=11 m=21
